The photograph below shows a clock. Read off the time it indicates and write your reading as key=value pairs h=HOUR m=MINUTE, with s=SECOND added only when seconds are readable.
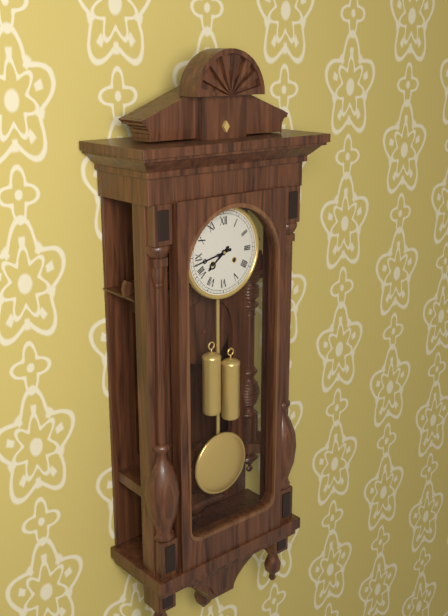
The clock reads h=7 m=43
